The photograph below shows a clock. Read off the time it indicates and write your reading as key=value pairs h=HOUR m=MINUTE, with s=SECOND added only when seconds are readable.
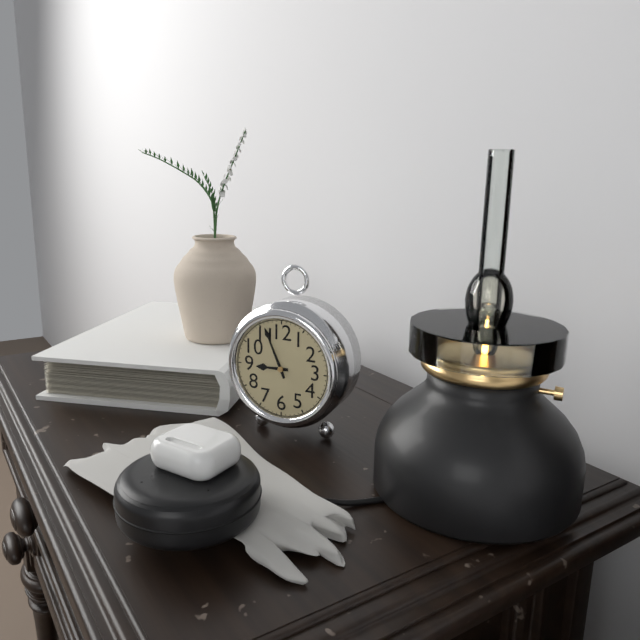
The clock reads h=8 m=56
